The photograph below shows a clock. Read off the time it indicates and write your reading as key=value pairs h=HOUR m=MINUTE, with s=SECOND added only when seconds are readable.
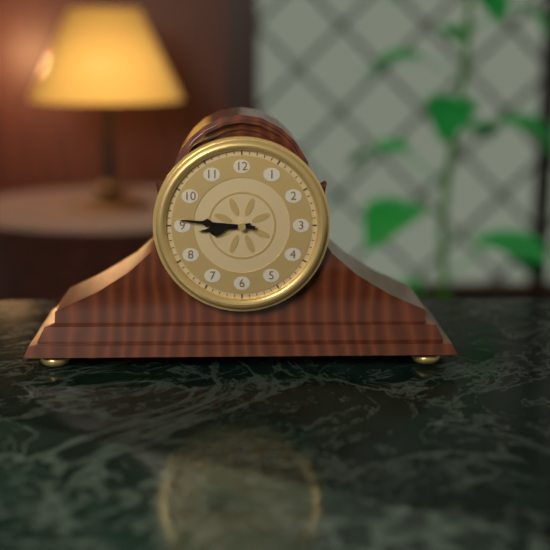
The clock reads h=8 m=46
